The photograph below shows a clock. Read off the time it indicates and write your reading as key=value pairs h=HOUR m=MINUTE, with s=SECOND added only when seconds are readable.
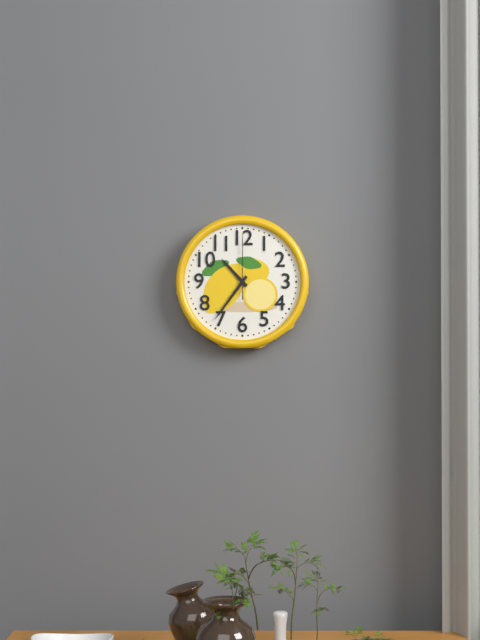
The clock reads h=10 m=36 s=0
